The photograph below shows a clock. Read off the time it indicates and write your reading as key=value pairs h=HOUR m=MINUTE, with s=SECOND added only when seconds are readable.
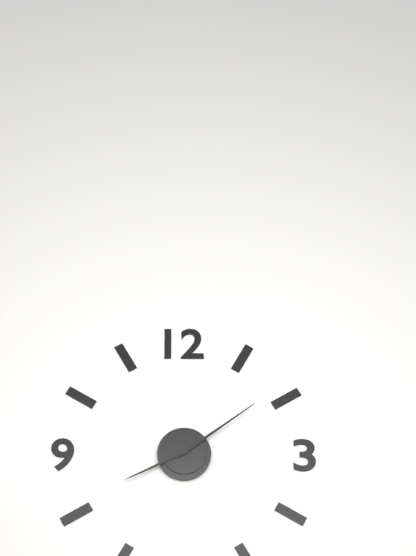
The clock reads h=8 m=9
